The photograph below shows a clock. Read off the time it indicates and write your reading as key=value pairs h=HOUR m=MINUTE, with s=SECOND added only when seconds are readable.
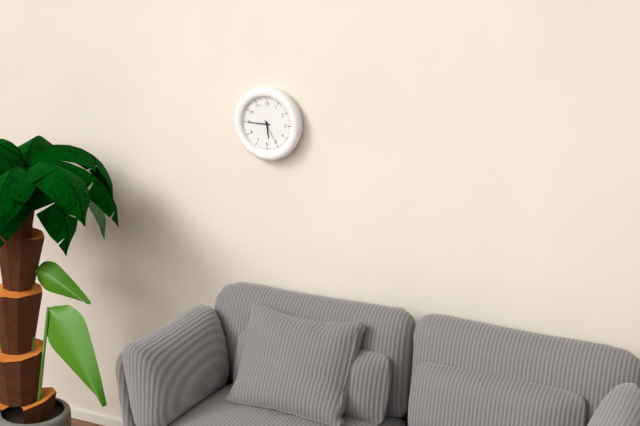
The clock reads h=5 m=45
